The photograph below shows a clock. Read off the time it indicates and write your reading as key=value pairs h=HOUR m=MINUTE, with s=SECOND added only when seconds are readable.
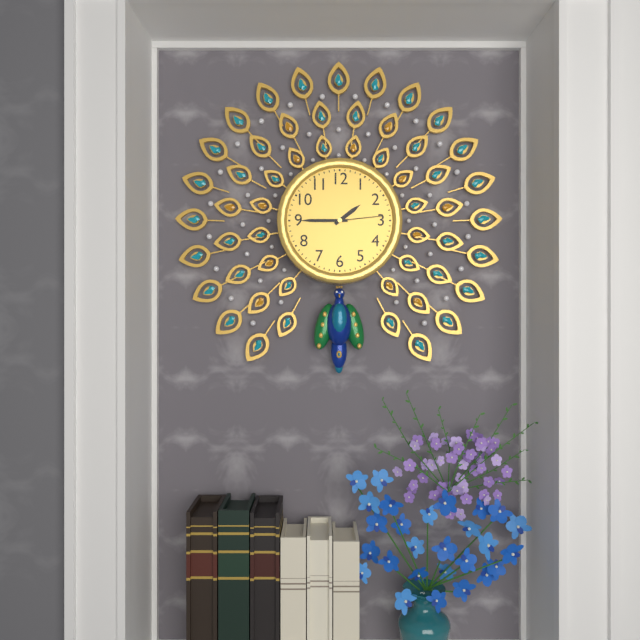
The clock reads h=1 m=45 s=14
